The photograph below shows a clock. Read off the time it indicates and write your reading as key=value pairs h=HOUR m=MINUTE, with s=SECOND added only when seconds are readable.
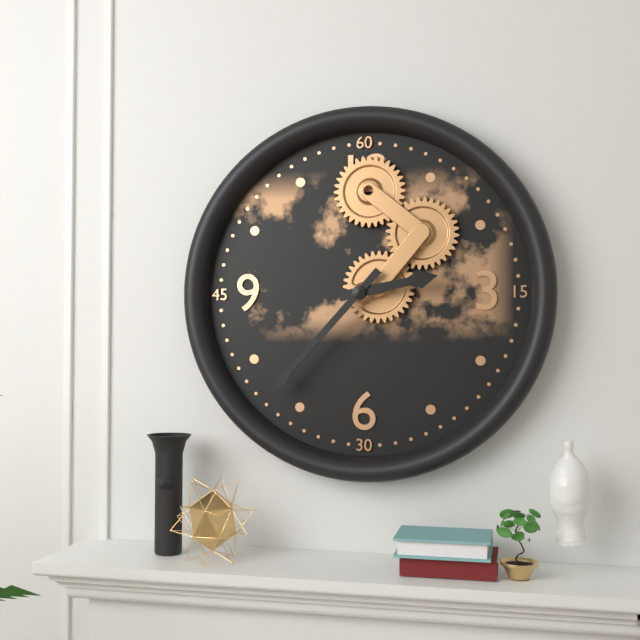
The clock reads h=2 m=37
